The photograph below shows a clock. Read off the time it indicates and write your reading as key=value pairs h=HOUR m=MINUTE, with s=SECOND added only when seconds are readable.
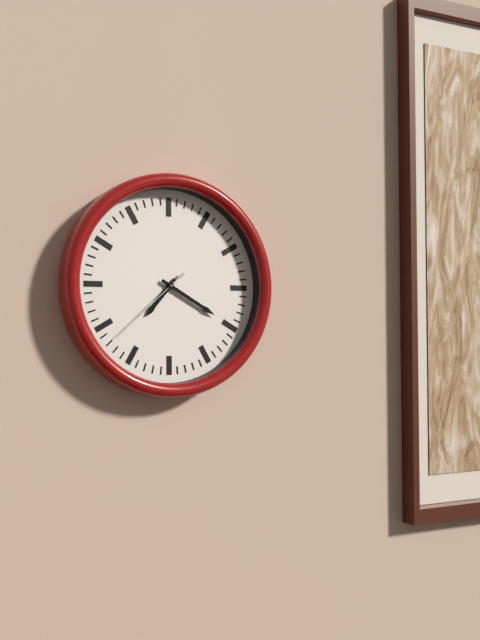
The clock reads h=7 m=20 s=38
